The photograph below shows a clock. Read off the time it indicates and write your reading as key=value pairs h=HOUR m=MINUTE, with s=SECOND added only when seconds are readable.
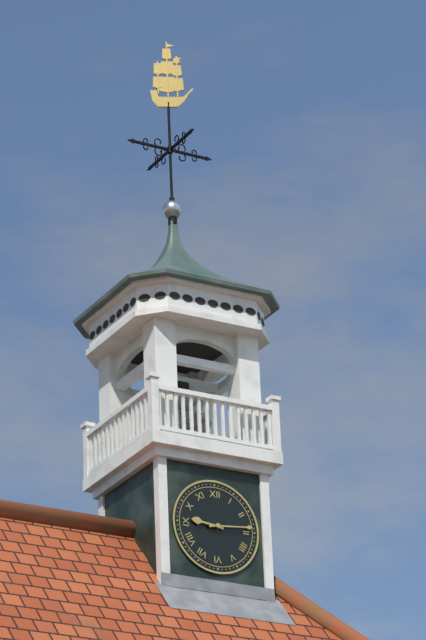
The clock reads h=9 m=14
